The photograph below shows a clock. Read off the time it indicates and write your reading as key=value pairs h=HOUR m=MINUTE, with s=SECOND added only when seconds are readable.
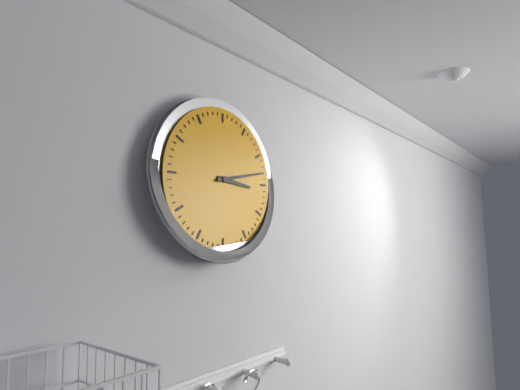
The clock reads h=3 m=13
